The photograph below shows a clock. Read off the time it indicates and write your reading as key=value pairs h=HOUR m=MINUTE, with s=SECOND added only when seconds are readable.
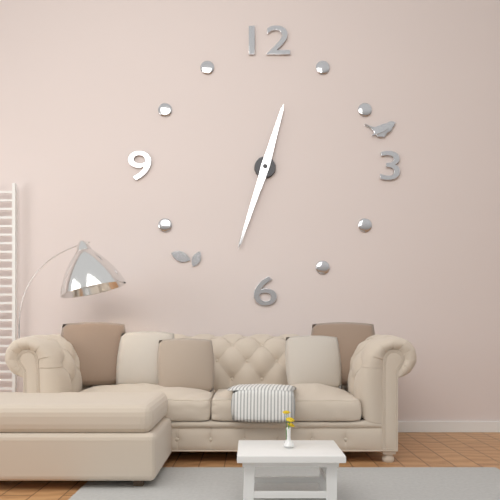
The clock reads h=12 m=33
